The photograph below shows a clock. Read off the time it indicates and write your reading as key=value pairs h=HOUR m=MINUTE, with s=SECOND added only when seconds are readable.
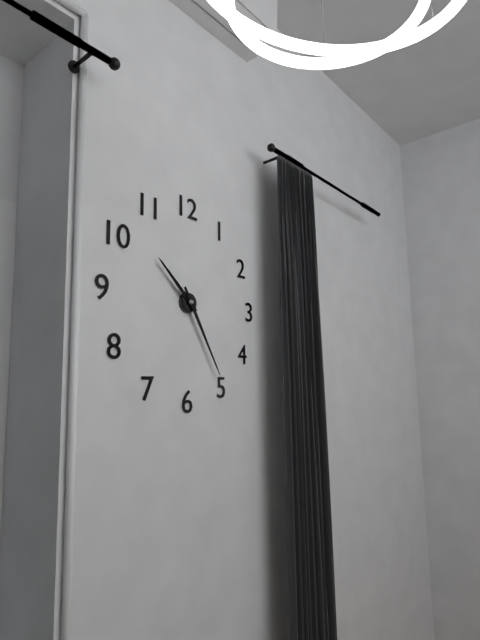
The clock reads h=10 m=25
